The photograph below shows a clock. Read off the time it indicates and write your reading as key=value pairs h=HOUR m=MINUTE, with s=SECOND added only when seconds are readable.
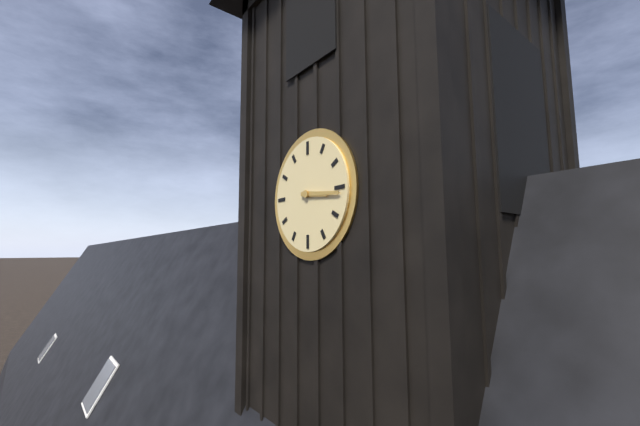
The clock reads h=3 m=16
